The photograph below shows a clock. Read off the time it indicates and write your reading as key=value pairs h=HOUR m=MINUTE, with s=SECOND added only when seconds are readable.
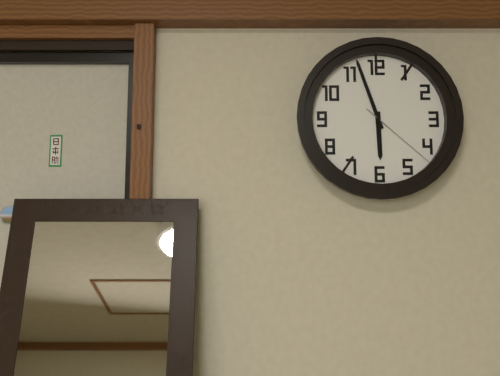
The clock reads h=5 m=57 s=22
